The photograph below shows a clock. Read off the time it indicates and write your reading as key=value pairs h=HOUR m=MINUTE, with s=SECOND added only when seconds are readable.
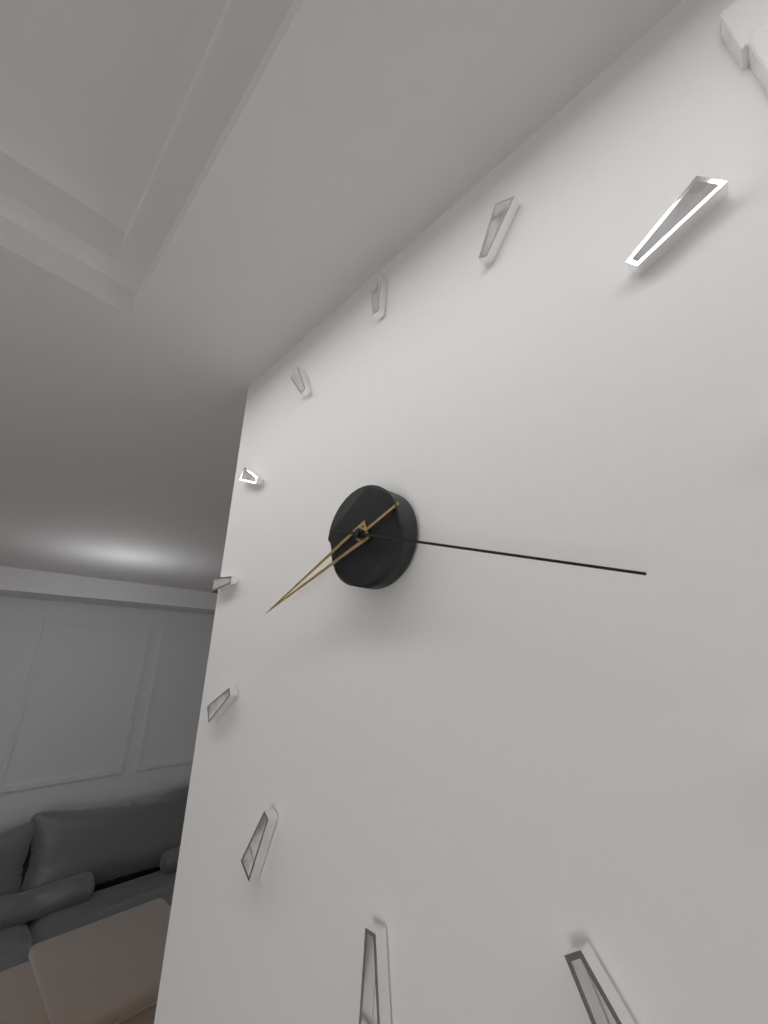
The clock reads h=8 m=18
